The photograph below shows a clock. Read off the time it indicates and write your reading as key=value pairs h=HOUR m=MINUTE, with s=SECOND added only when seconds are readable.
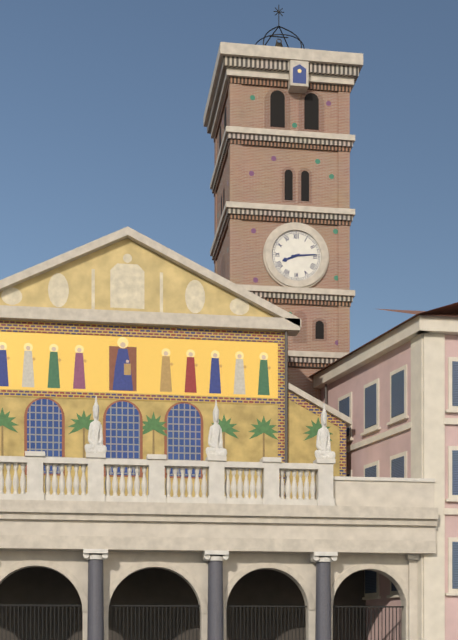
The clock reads h=8 m=14
